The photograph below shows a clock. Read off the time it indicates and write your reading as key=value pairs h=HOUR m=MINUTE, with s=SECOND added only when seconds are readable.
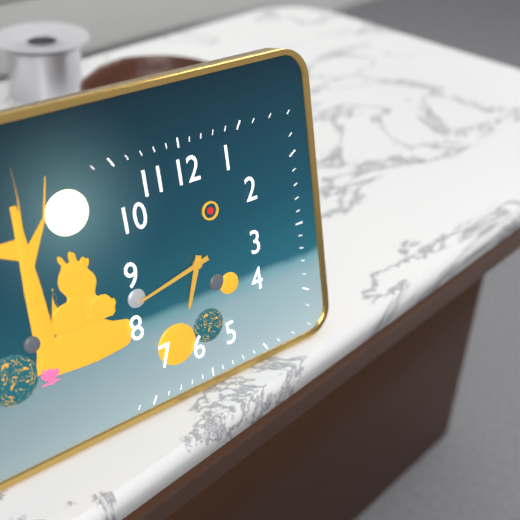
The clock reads h=6 m=43
